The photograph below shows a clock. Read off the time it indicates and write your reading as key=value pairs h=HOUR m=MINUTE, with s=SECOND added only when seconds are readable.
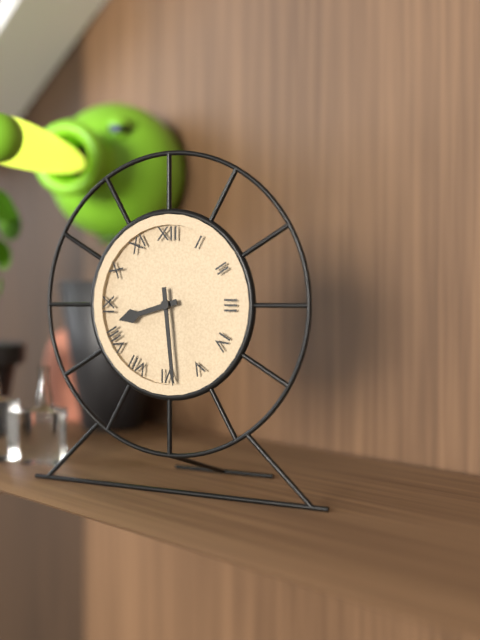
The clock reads h=8 m=29
